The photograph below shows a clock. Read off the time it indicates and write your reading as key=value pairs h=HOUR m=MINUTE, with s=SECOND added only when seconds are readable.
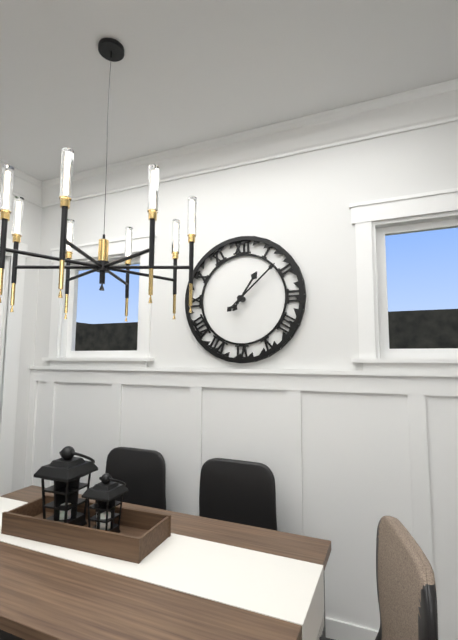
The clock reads h=1 m=8
